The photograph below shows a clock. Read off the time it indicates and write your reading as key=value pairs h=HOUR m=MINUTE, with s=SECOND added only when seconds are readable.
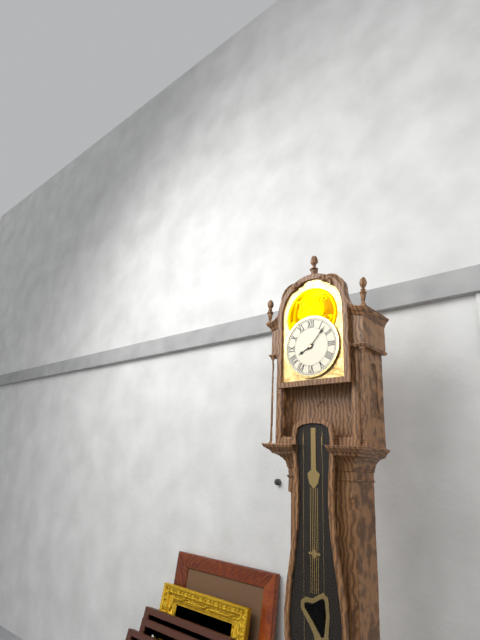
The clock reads h=8 m=7
